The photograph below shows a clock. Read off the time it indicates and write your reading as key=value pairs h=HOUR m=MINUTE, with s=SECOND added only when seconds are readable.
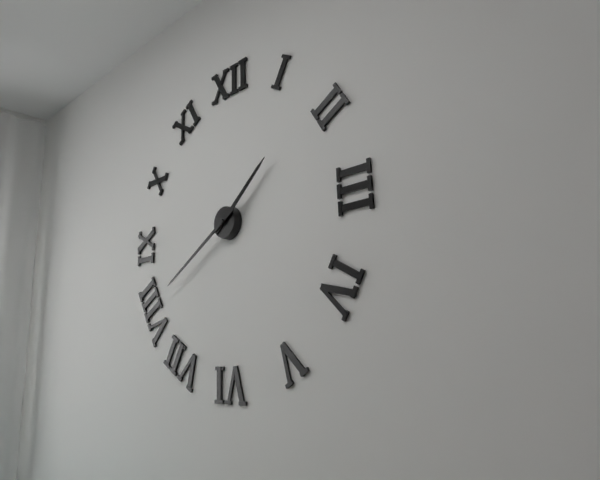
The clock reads h=1 m=40
